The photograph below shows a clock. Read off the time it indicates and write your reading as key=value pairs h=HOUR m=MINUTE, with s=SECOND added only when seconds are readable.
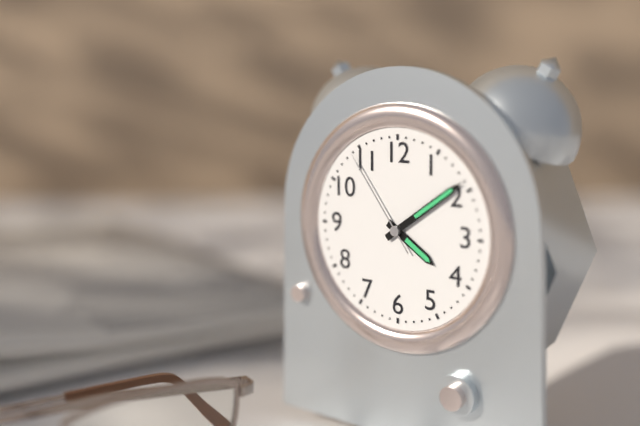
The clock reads h=4 m=9 s=54
